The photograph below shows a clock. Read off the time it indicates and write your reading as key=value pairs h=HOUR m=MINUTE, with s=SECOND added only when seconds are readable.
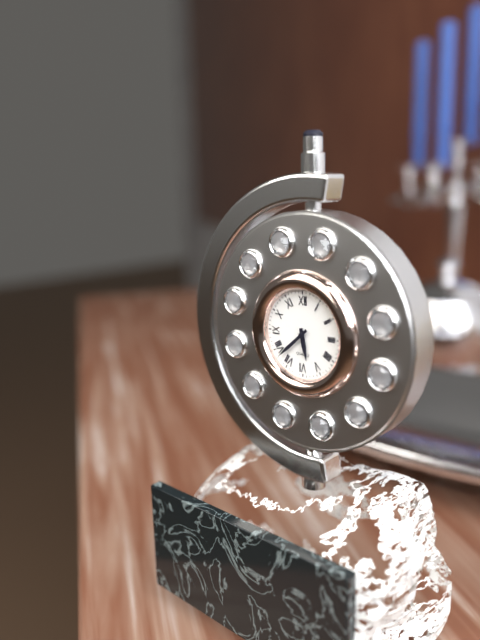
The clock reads h=5 m=38
